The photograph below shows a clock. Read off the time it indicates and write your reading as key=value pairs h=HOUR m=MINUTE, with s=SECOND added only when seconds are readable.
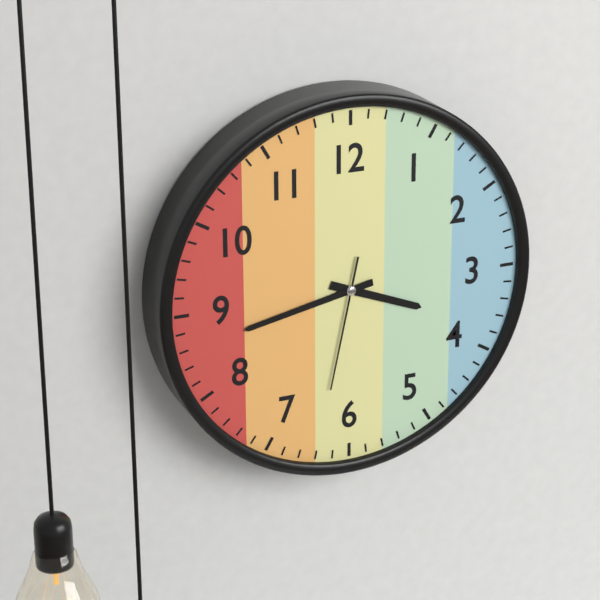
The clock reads h=3 m=43 s=32
